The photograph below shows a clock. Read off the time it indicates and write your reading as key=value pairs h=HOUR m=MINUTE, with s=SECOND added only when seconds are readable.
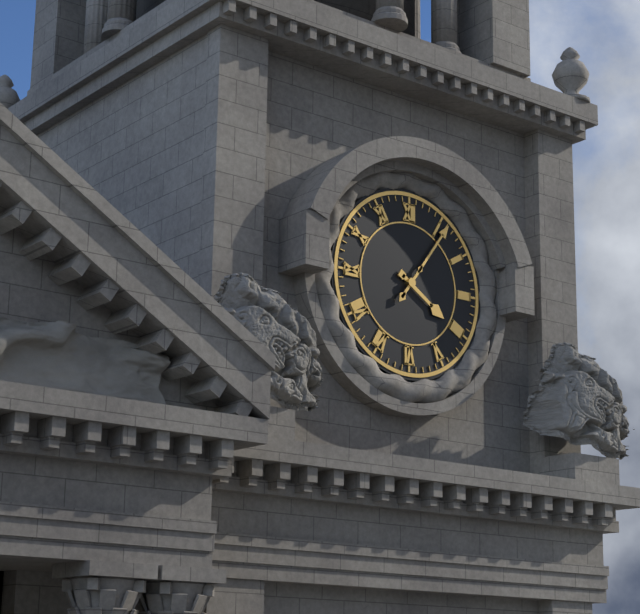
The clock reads h=4 m=6
